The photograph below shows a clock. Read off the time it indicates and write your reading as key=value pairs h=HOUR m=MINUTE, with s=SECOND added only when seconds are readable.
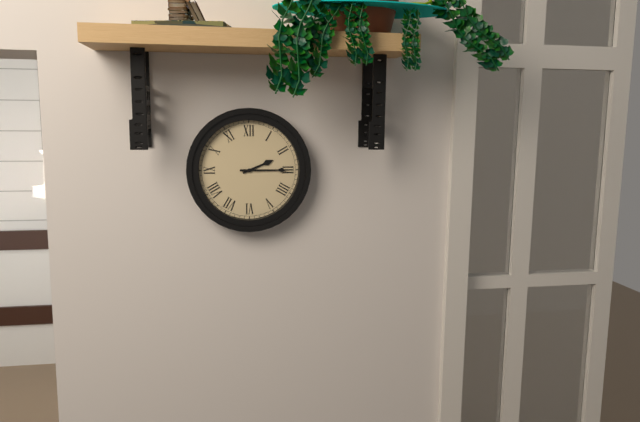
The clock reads h=2 m=15
